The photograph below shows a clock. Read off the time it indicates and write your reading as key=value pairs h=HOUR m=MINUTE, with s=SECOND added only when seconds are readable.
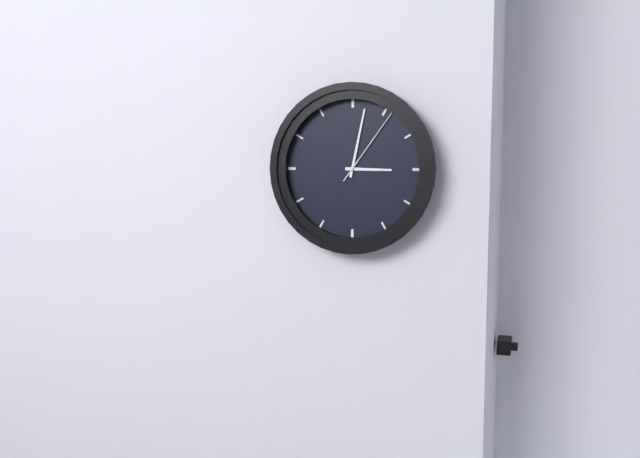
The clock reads h=3 m=2 s=6
